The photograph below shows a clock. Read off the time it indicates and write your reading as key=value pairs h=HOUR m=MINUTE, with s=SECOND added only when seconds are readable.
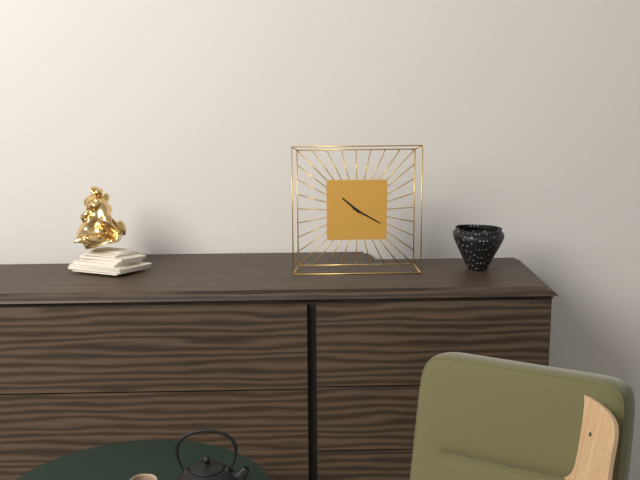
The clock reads h=10 m=20
